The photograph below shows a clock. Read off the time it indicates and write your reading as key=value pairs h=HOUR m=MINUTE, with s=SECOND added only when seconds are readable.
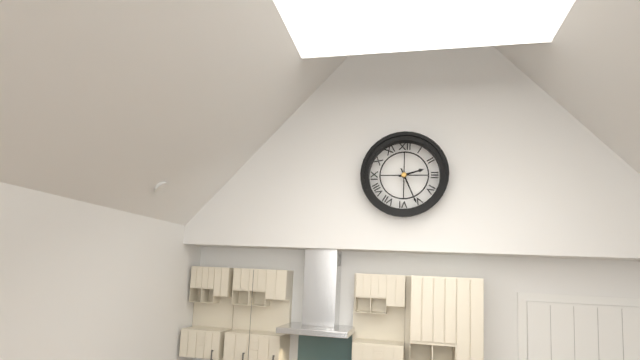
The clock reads h=2 m=26
